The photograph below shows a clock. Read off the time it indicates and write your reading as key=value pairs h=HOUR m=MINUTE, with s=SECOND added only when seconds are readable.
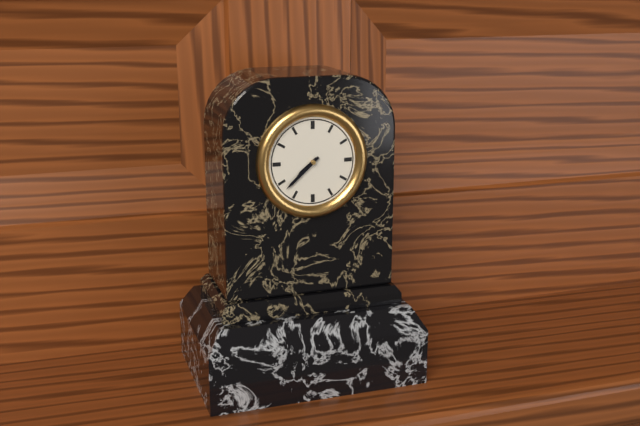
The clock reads h=7 m=38
